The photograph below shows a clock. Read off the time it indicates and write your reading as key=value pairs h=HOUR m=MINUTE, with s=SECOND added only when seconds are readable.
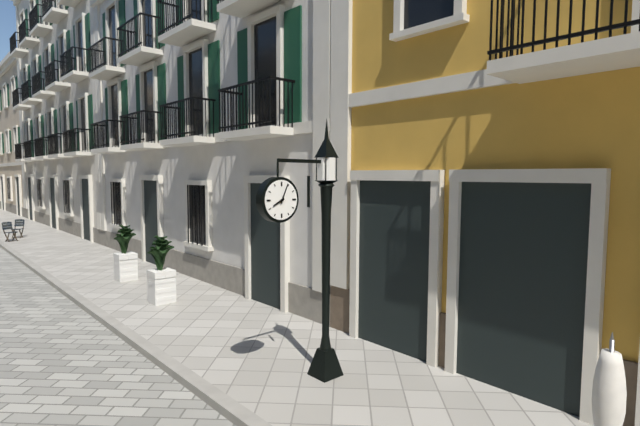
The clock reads h=8 m=4
